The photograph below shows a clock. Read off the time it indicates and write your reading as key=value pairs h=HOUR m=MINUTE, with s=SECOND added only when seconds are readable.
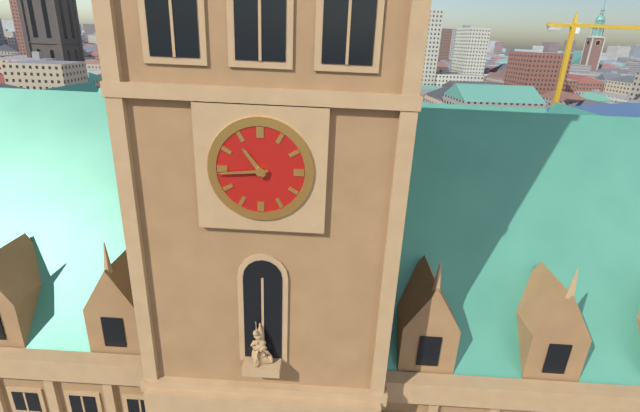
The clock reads h=10 m=44
